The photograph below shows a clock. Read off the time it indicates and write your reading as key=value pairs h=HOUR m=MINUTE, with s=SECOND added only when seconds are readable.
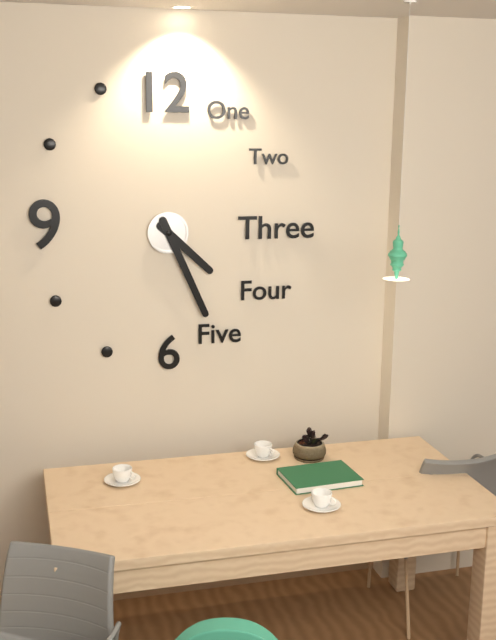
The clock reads h=4 m=26
